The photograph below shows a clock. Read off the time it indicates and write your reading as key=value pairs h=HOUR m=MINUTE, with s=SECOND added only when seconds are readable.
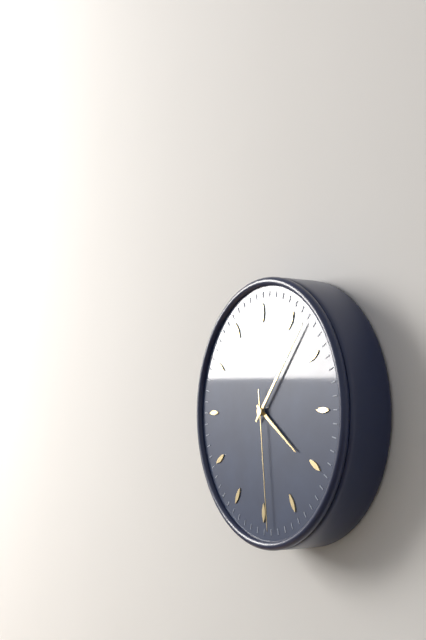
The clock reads h=4 m=7 s=29
